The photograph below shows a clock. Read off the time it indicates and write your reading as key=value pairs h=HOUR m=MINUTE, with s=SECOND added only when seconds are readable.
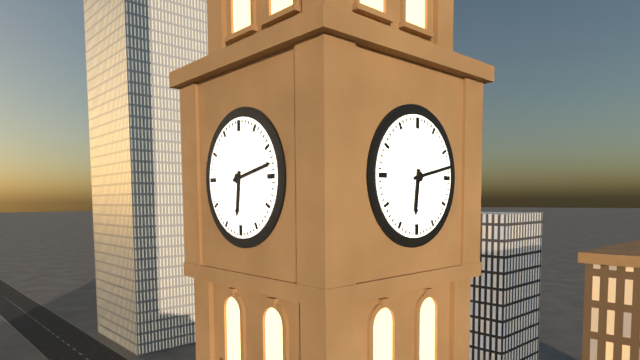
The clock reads h=6 m=13
